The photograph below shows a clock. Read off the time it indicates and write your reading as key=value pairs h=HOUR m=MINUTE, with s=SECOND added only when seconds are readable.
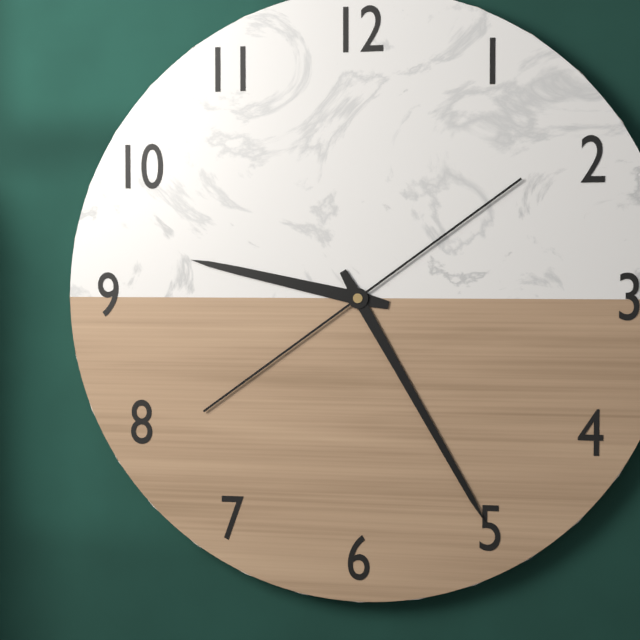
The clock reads h=9 m=25
